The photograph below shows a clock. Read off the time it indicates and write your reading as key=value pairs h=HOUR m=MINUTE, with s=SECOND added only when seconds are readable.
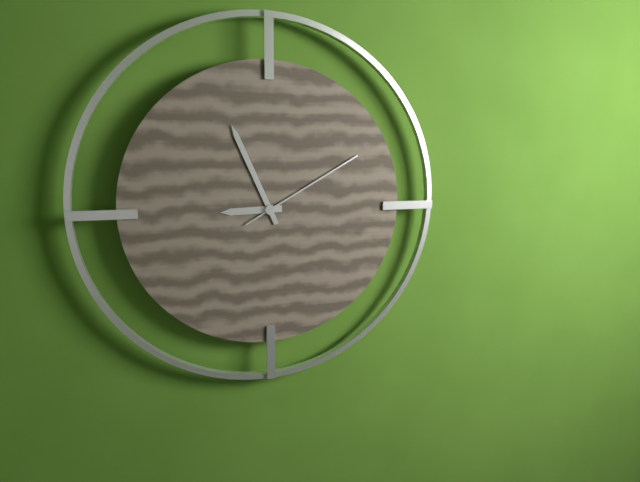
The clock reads h=8 m=56 s=10
